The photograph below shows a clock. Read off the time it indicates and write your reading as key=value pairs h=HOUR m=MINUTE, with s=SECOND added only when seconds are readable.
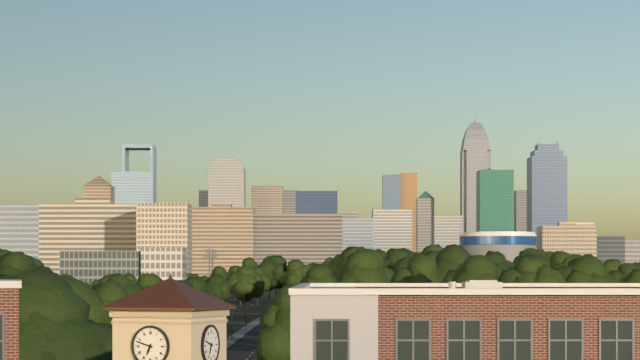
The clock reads h=6 m=48
